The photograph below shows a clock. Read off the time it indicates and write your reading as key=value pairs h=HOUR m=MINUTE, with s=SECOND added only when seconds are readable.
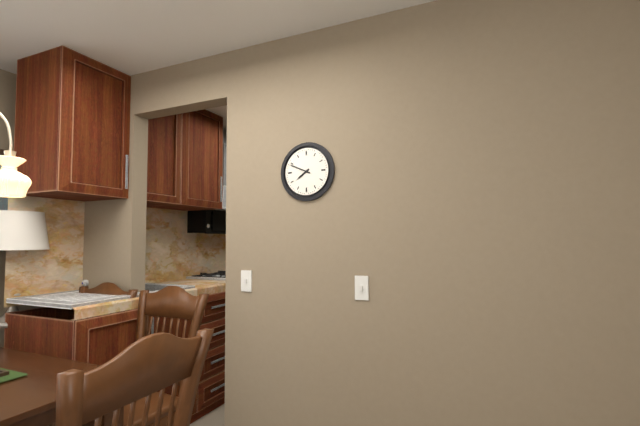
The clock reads h=7 m=49
